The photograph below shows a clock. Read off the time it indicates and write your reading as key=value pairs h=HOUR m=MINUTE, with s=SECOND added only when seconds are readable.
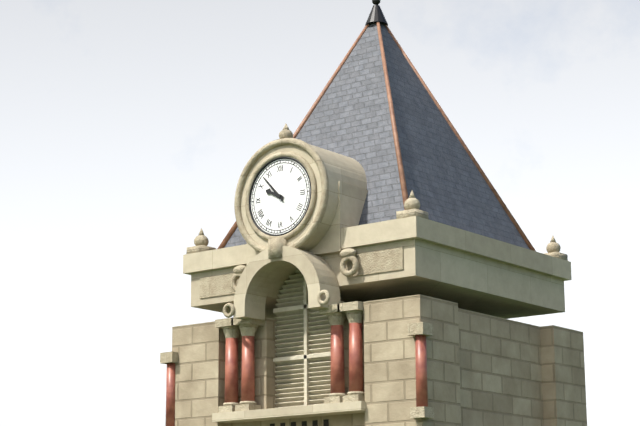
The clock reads h=9 m=53
